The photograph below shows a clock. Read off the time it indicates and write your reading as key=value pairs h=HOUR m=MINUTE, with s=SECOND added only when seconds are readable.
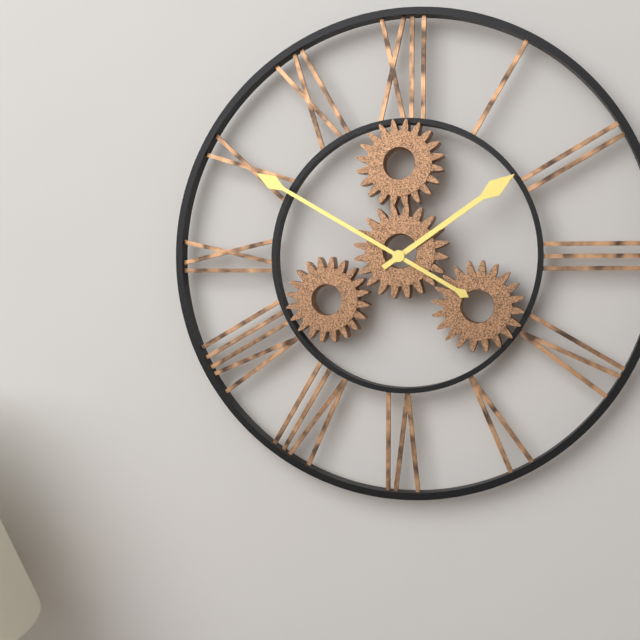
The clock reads h=1 m=50
